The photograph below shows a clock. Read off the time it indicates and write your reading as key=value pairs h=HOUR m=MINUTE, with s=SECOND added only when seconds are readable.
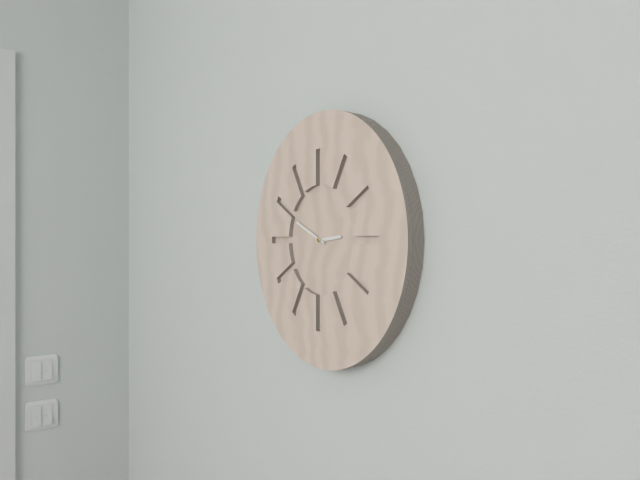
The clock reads h=2 m=49
